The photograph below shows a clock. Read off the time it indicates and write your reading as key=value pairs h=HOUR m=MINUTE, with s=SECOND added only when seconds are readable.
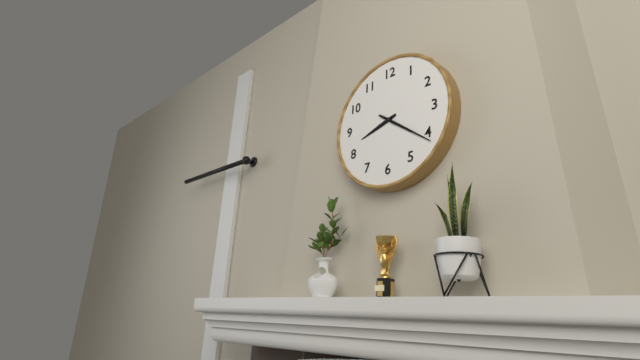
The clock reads h=8 m=21
